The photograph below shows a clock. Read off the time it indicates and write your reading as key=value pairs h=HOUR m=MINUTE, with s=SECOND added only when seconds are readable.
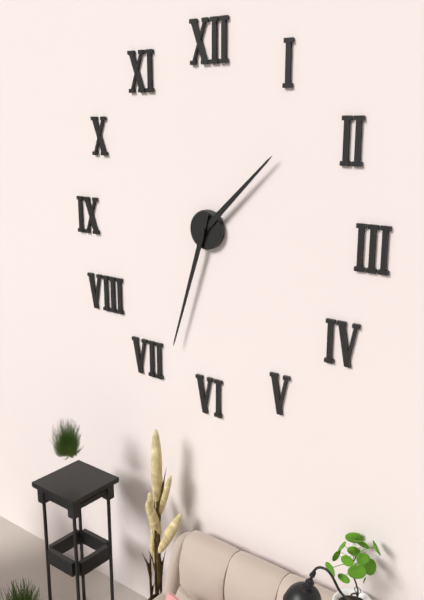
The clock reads h=1 m=33
